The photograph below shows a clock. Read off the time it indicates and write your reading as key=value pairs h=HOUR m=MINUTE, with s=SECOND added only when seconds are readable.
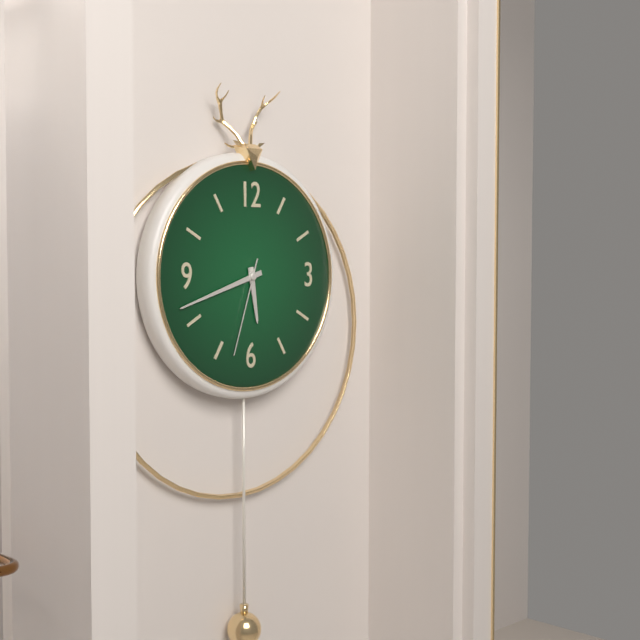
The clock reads h=5 m=42 s=33
